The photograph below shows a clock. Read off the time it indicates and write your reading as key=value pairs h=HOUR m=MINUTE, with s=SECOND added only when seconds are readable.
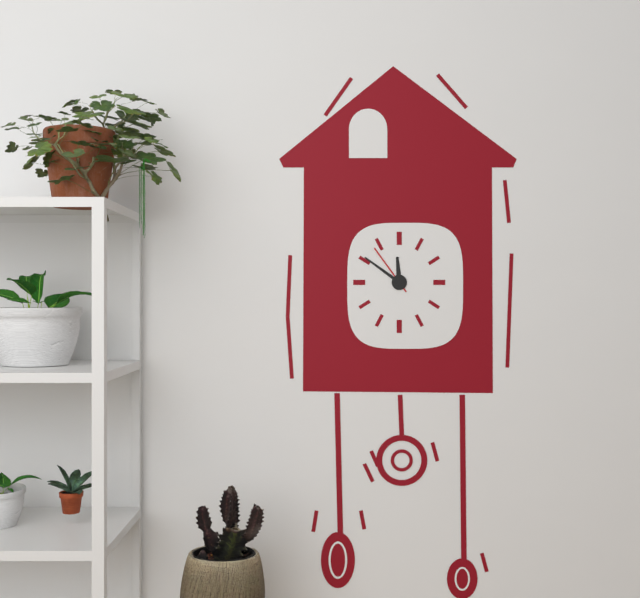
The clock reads h=11 m=51 s=54
